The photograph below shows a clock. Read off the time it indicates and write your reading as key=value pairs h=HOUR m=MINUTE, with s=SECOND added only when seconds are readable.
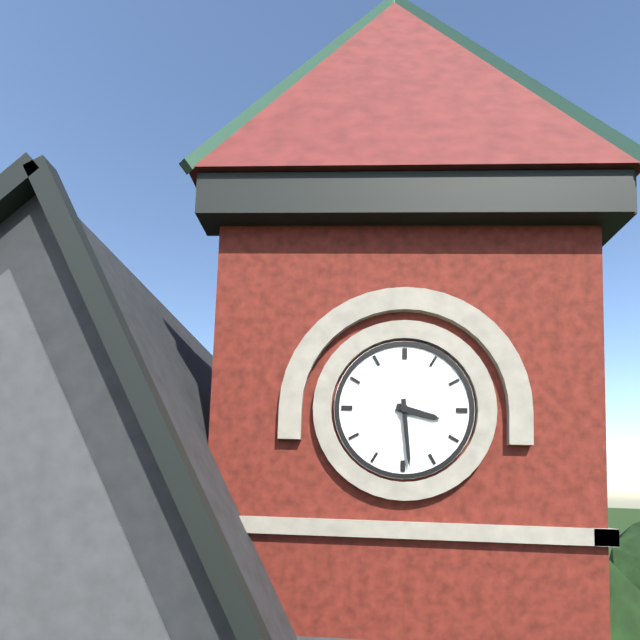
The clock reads h=3 m=29
